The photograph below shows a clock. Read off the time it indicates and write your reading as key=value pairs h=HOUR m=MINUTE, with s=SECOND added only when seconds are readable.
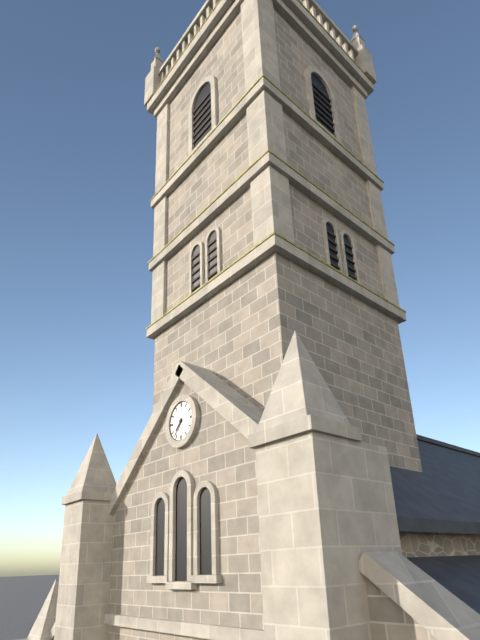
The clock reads h=7 m=36
